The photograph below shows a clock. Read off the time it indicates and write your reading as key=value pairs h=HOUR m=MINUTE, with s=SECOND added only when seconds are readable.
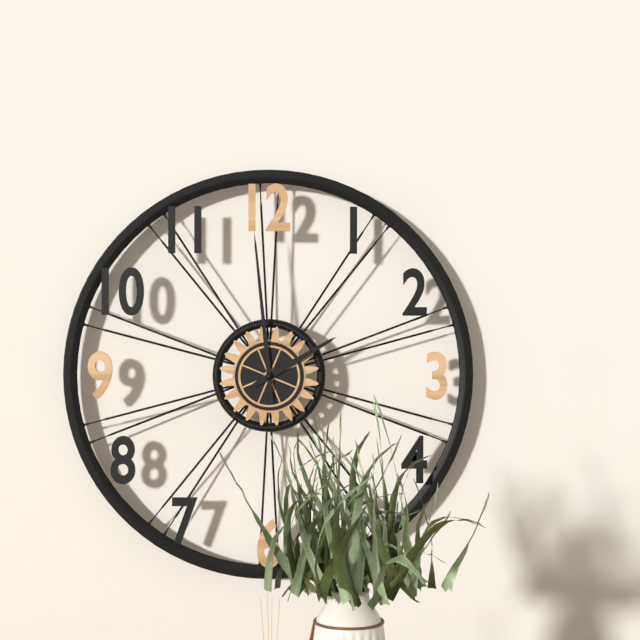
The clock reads h=1 m=59
